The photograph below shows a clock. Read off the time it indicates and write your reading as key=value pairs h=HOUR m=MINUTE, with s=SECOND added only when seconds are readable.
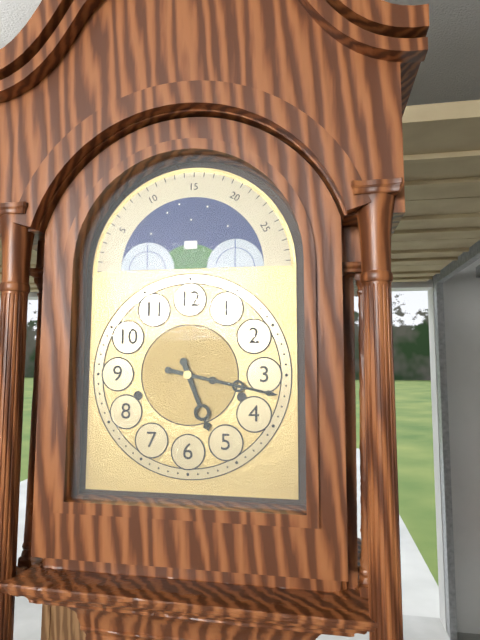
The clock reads h=5 m=17
